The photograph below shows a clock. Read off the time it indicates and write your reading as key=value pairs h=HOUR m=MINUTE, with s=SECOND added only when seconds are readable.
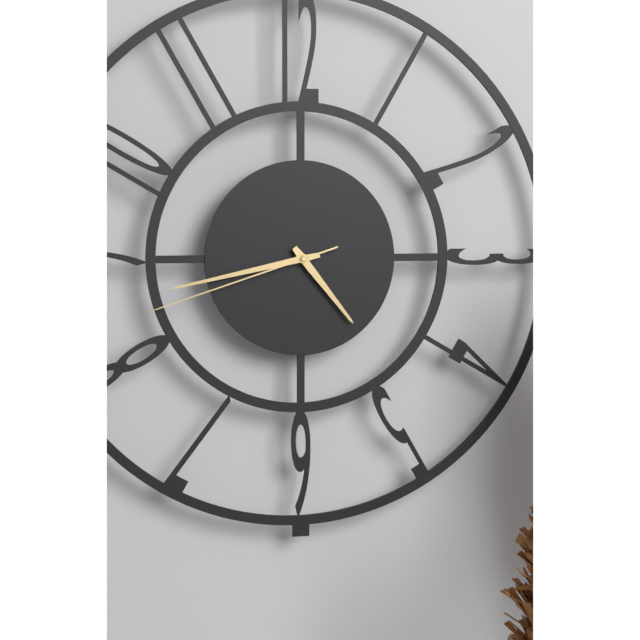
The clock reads h=4 m=43 s=42
